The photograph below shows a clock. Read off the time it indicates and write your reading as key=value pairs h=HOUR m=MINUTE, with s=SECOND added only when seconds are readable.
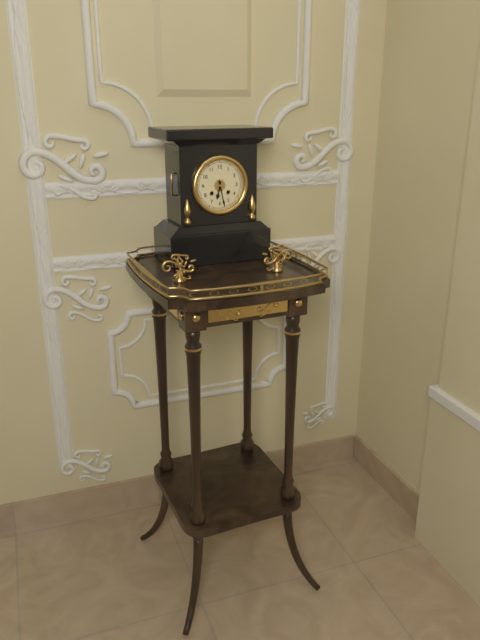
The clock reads h=6 m=28
